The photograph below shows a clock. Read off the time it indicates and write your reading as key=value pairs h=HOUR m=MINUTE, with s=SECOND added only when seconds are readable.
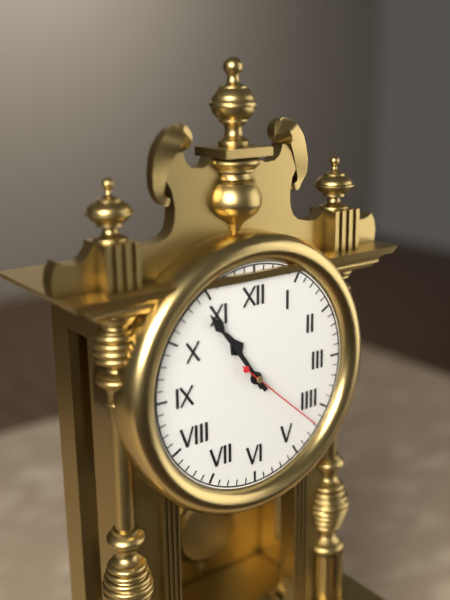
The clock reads h=10 m=54 s=22
